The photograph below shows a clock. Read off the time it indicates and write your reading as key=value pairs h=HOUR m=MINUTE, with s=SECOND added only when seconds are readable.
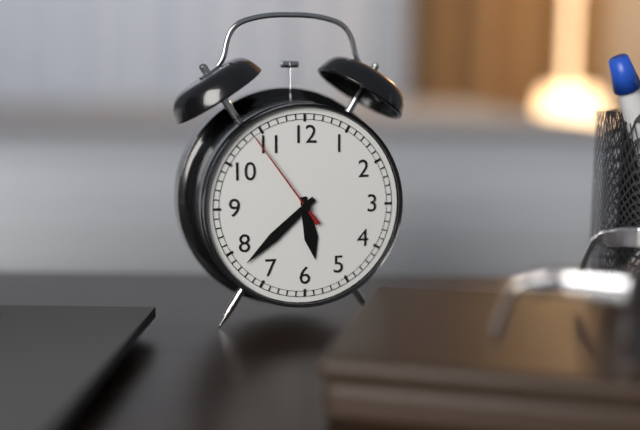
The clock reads h=5 m=38 s=54
